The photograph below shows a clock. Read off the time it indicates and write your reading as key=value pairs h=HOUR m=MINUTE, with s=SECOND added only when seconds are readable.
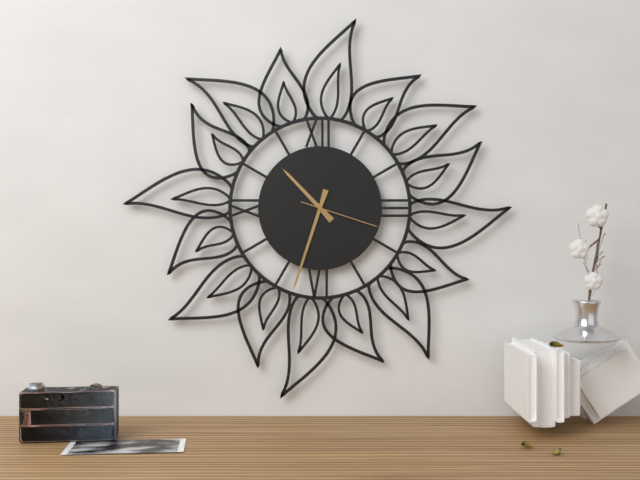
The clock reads h=10 m=33 s=18
